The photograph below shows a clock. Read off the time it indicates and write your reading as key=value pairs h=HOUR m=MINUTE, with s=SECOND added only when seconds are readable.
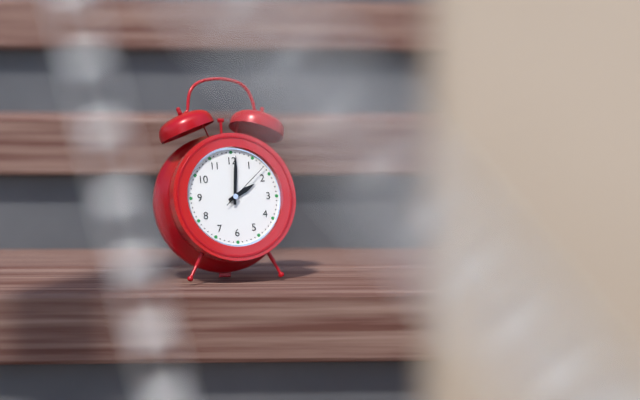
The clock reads h=2 m=1 s=8
